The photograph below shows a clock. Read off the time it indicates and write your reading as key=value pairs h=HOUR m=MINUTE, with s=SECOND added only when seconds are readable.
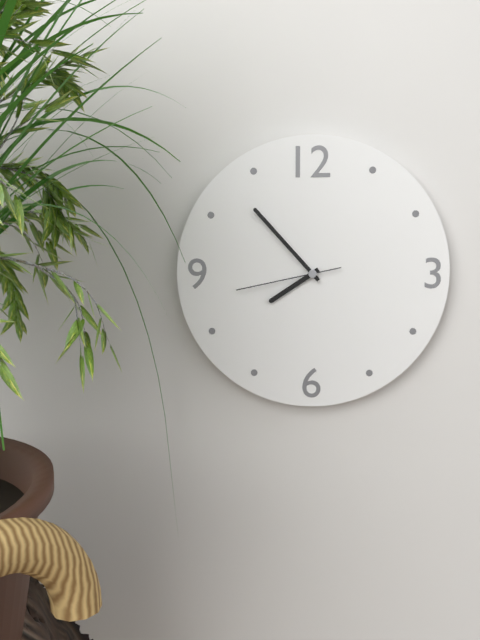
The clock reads h=7 m=53 s=43
